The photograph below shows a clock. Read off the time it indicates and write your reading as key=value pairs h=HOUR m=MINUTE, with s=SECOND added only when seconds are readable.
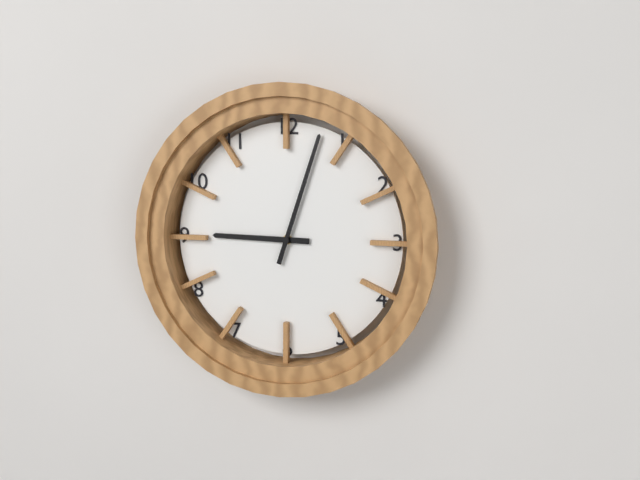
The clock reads h=9 m=3
